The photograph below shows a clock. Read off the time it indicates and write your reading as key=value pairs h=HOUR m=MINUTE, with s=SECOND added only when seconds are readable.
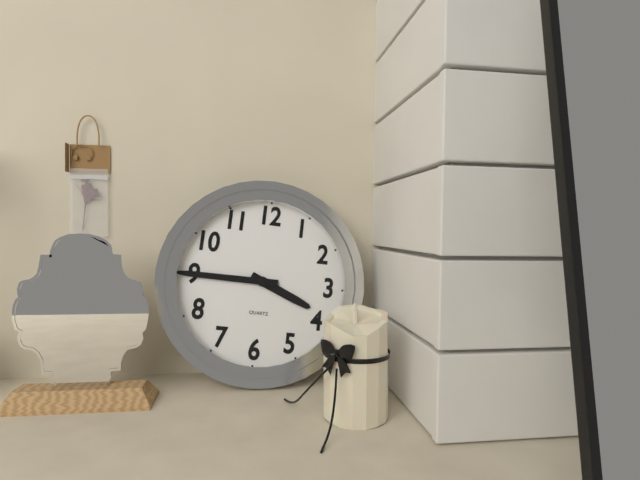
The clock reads h=3 m=45
